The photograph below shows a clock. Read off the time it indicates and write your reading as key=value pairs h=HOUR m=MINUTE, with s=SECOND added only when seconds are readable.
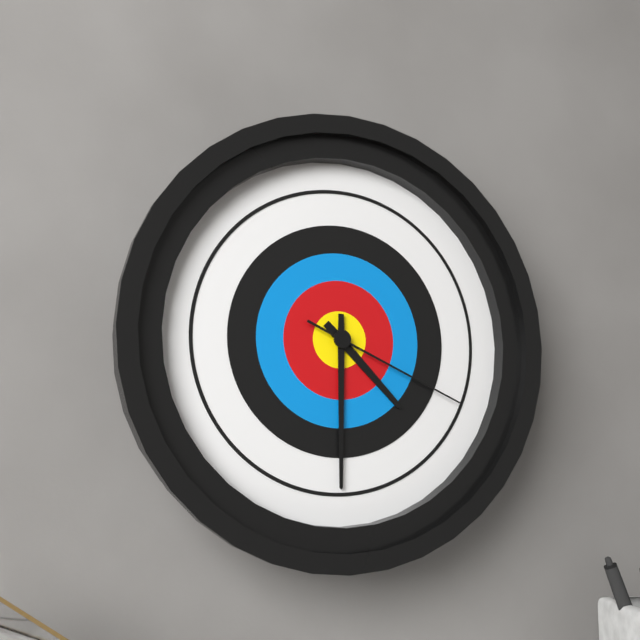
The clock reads h=4 m=30 s=19
